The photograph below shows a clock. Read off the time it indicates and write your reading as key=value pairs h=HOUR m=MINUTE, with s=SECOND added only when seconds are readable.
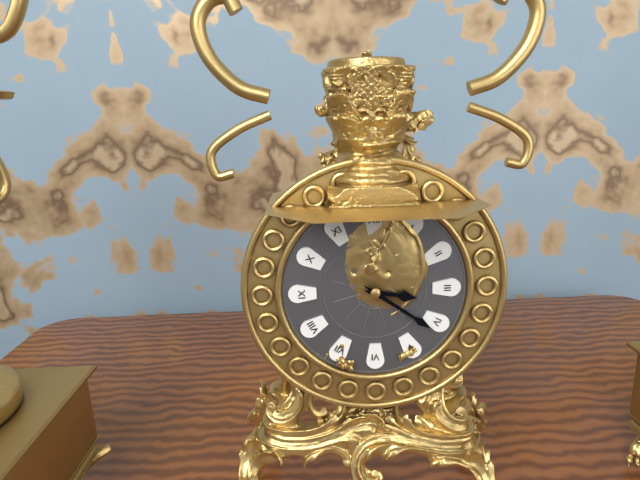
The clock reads h=3 m=21
